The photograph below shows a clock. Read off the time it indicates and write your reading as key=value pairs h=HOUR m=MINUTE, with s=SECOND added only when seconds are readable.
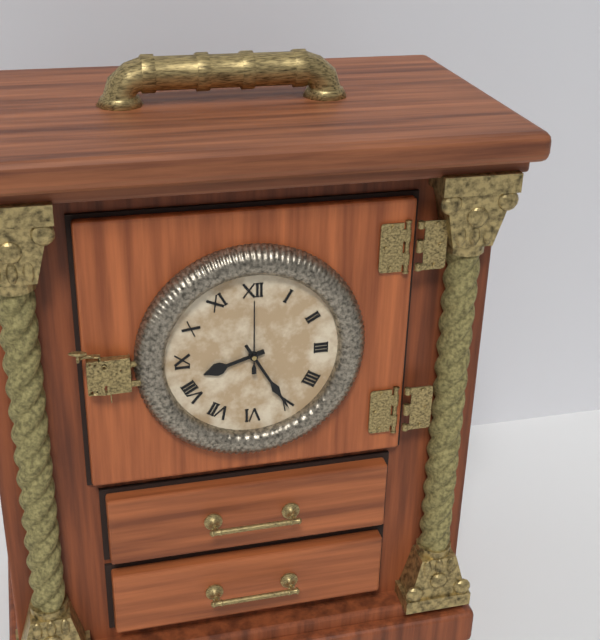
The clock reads h=8 m=25 s=0
